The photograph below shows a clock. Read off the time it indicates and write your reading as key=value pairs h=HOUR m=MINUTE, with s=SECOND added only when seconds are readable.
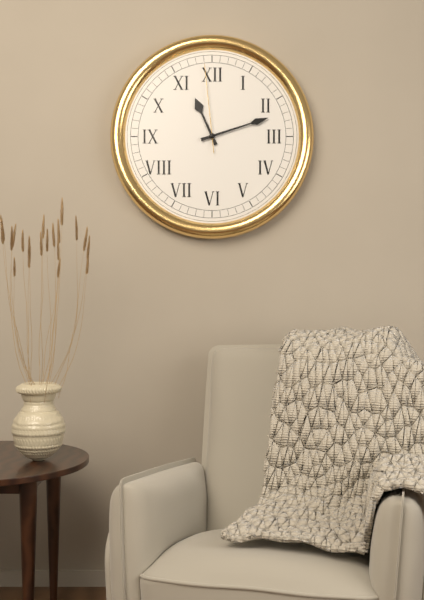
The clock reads h=11 m=12 s=59
